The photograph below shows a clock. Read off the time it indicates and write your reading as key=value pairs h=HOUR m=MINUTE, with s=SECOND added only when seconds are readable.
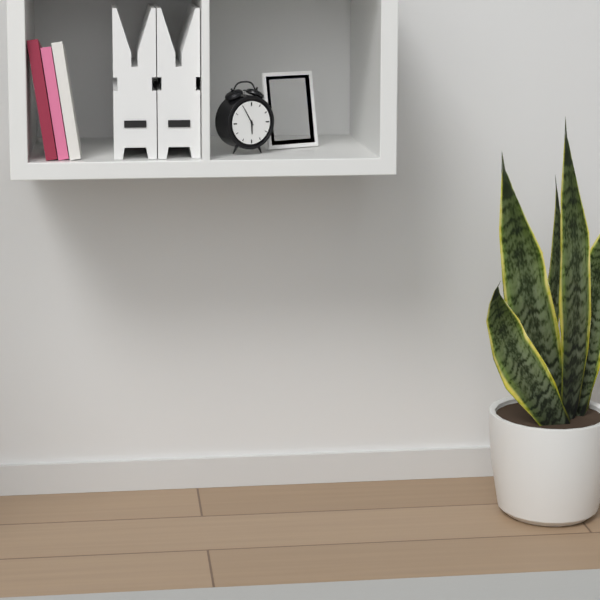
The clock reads h=5 m=55
